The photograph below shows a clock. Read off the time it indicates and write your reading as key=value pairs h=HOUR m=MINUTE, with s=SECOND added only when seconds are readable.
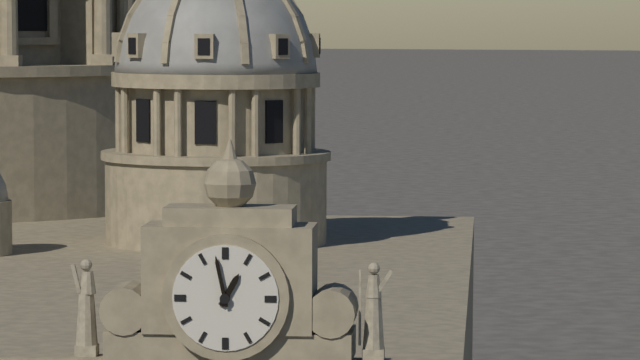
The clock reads h=12 m=58
